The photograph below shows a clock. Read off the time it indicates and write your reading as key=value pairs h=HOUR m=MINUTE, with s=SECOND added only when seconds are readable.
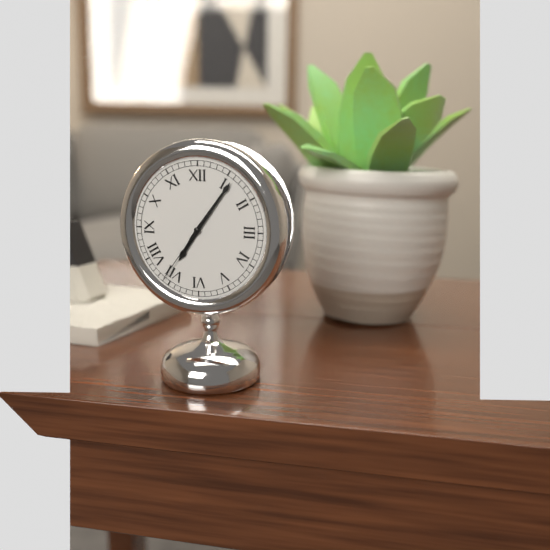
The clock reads h=7 m=6 s=36
